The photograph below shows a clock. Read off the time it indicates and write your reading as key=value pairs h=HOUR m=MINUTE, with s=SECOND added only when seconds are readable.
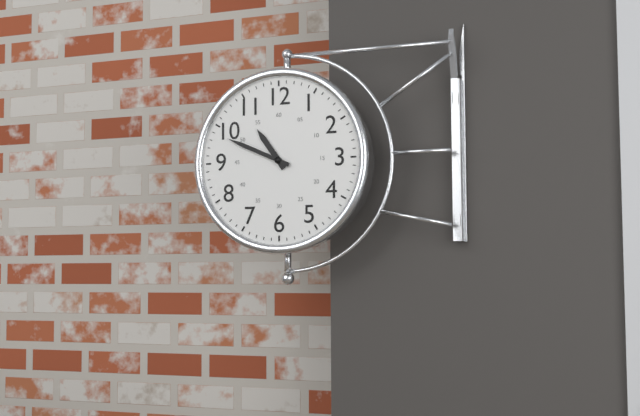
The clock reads h=10 m=49
